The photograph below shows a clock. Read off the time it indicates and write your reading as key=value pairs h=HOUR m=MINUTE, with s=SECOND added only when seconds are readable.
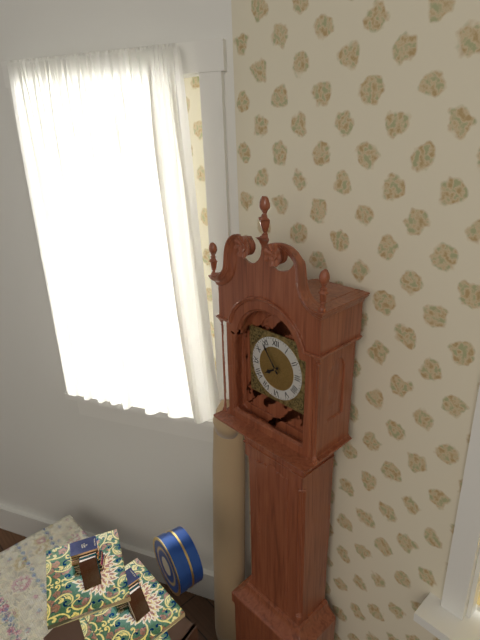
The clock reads h=7 m=54
